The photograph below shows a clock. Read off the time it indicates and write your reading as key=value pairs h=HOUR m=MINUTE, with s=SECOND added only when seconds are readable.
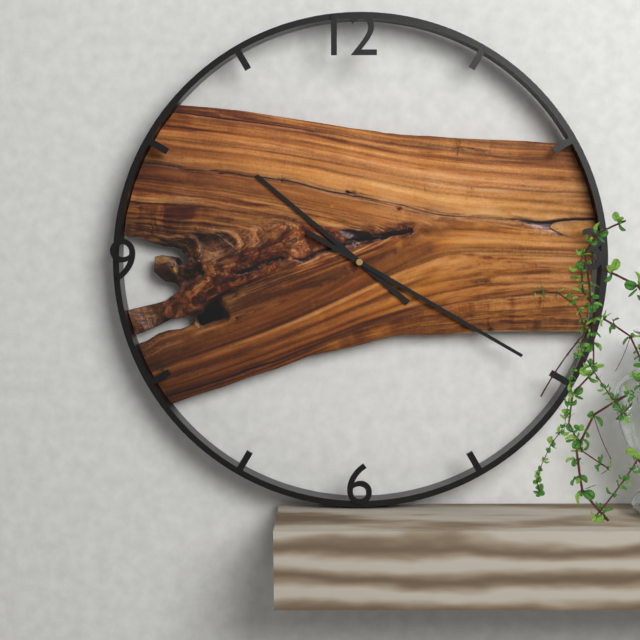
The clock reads h=10 m=20
